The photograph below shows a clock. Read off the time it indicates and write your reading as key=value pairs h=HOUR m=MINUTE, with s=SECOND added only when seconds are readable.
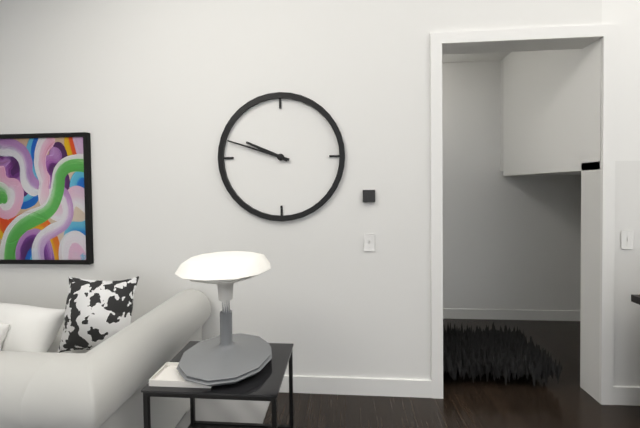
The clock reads h=9 m=48
